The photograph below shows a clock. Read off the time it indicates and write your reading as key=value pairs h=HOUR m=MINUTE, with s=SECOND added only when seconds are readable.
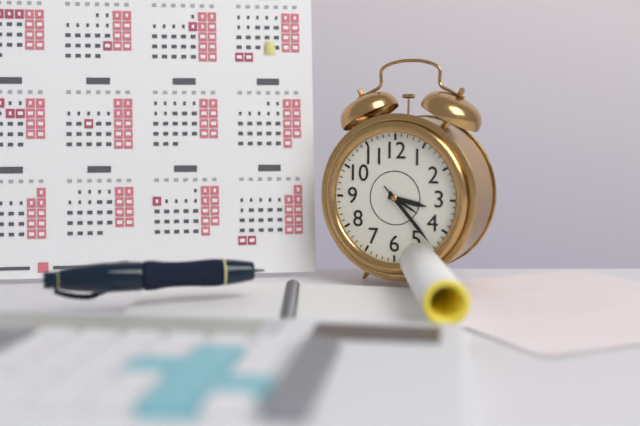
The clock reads h=3 m=23 s=23
